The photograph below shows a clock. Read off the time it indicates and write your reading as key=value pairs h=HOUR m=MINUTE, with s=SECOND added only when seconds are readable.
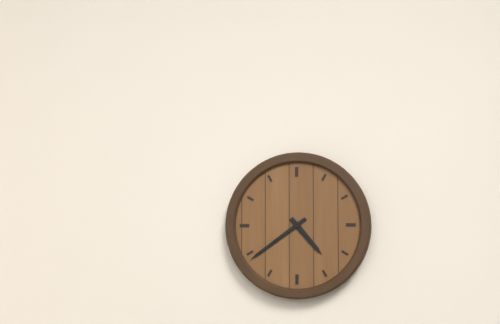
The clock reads h=4 m=39
